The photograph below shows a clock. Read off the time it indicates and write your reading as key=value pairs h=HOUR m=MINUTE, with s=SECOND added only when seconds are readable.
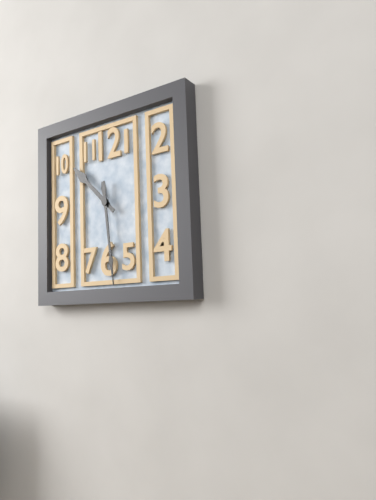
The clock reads h=10 m=29
